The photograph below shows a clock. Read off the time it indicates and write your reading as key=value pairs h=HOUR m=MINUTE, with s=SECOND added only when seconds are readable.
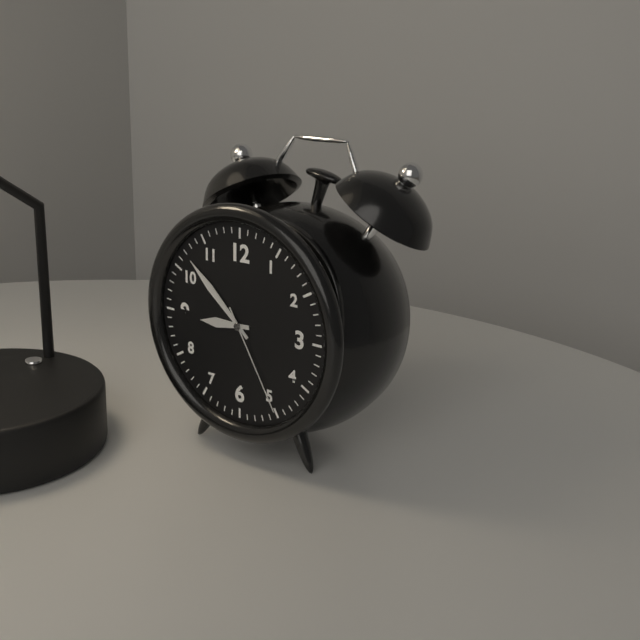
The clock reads h=8 m=52 s=25
